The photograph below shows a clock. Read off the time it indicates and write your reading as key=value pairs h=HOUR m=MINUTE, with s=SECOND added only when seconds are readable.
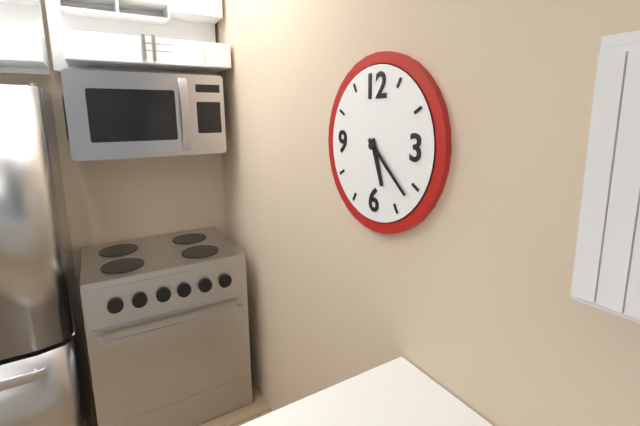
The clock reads h=5 m=22
